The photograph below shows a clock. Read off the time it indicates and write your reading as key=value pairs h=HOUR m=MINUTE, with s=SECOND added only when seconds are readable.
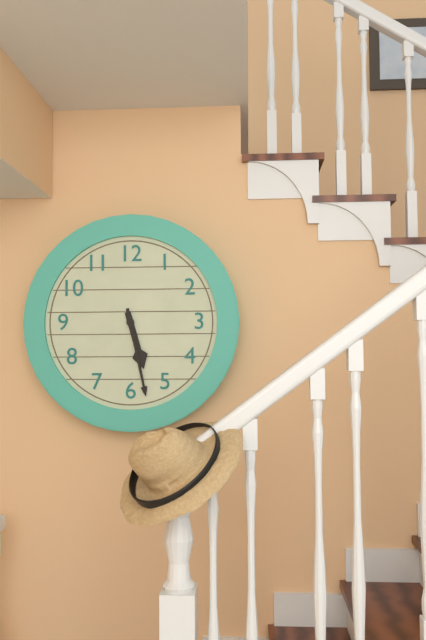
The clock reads h=5 m=28
